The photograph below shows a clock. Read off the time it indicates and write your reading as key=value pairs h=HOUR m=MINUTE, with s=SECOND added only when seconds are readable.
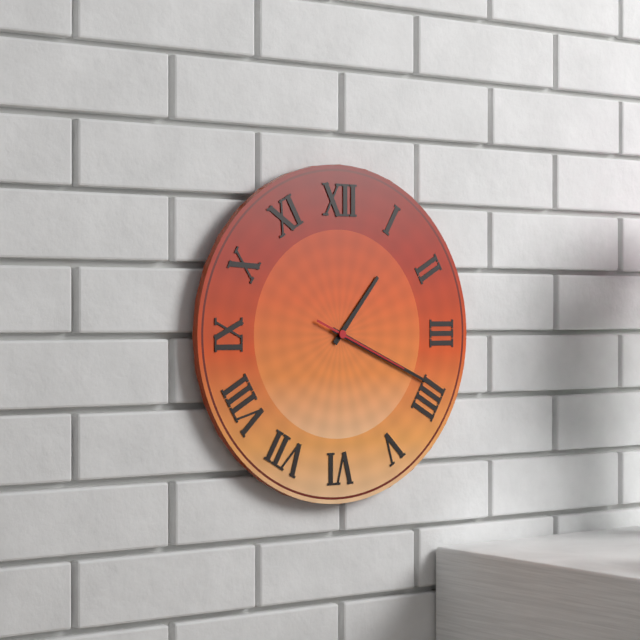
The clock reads h=1 m=19 s=19
